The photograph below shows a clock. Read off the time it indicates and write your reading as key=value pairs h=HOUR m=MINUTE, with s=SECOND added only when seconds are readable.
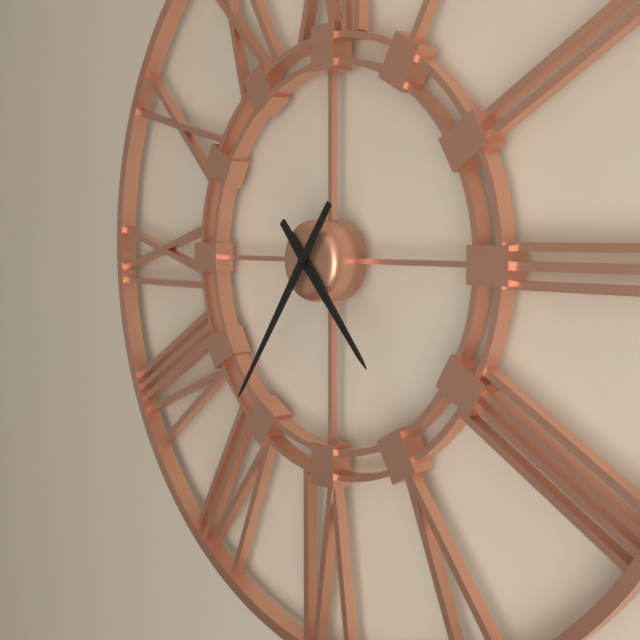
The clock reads h=4 m=36
